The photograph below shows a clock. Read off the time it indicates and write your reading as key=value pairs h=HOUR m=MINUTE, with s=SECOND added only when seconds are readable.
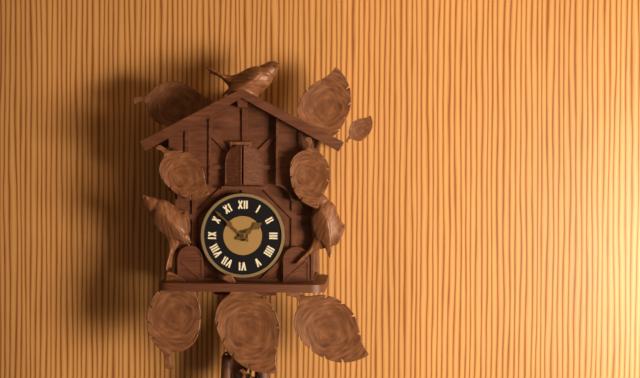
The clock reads h=1 m=52
